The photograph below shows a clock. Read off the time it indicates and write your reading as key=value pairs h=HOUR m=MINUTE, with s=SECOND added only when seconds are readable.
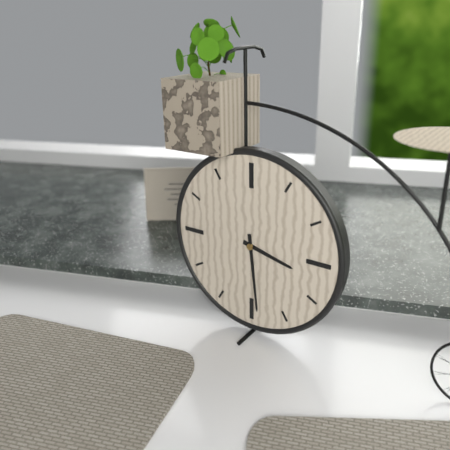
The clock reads h=3 m=29
